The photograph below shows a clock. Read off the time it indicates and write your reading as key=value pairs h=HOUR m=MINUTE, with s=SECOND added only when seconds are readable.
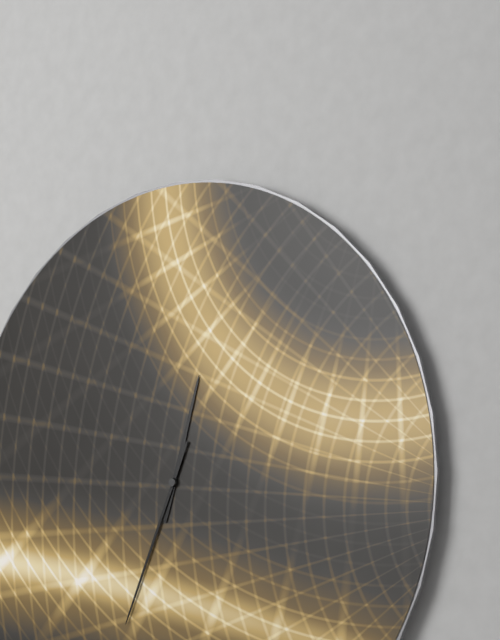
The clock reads h=12 m=34
